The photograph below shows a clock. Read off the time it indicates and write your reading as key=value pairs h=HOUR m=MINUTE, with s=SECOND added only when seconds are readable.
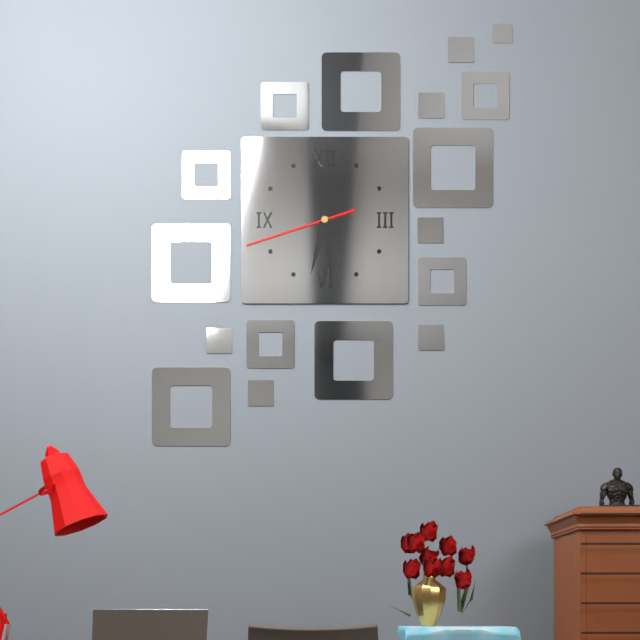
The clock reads h=6 m=29 s=42
